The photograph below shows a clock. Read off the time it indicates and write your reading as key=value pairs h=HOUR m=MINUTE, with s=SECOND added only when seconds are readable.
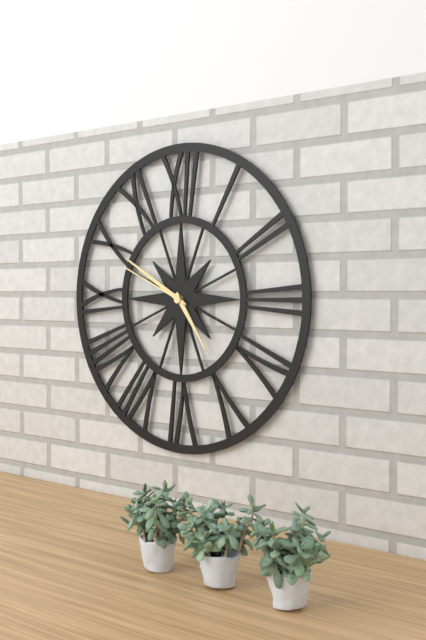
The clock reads h=4 m=50 s=49
